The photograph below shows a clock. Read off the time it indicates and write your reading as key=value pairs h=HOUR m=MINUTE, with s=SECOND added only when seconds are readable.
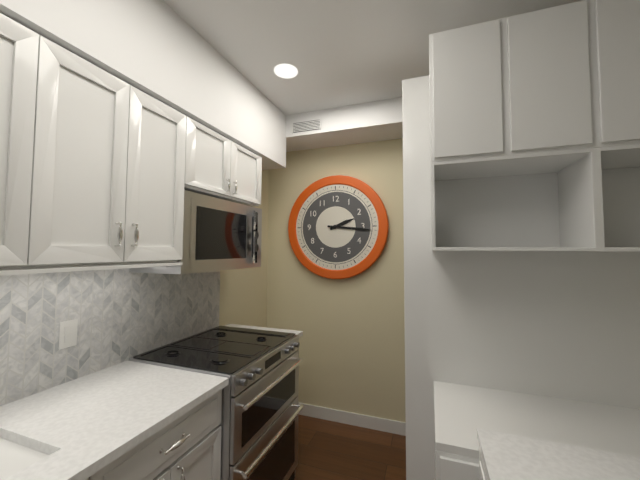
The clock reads h=2 m=16
